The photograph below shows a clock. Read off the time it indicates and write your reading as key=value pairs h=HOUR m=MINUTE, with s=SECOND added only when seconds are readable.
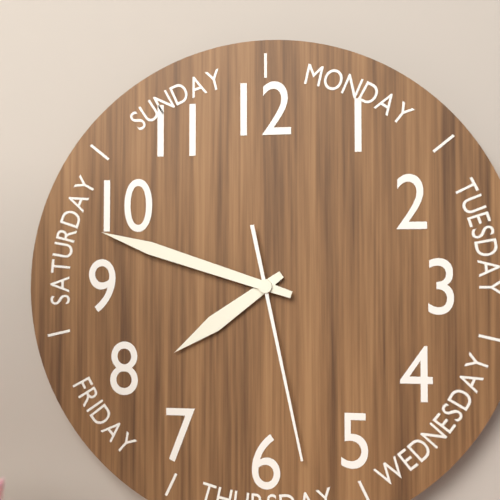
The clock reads h=7 m=48 s=28
